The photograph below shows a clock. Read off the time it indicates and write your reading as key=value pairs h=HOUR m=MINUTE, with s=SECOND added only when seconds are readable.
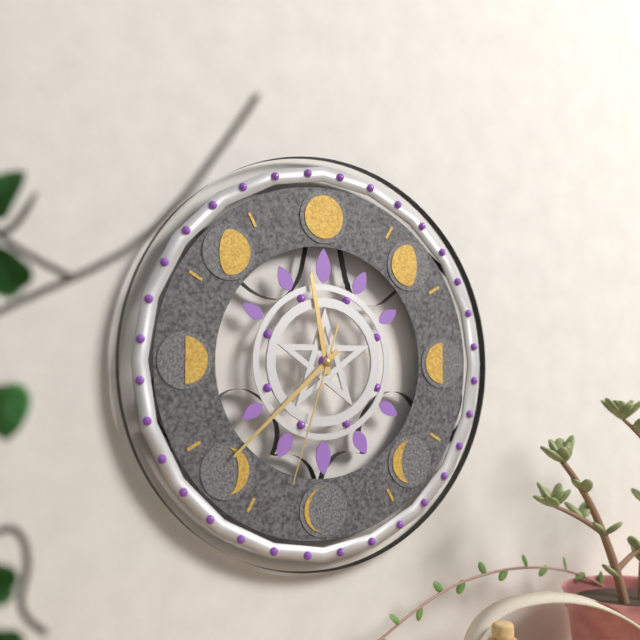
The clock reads h=11 m=38 s=33
